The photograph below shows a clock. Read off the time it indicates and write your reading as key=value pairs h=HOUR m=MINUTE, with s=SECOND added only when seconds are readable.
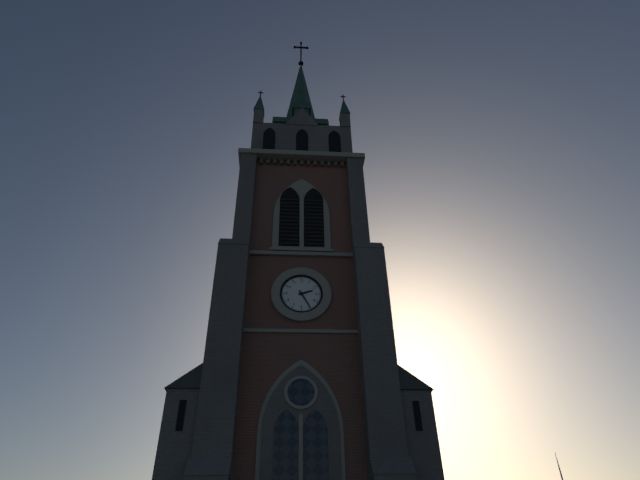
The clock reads h=2 m=25
